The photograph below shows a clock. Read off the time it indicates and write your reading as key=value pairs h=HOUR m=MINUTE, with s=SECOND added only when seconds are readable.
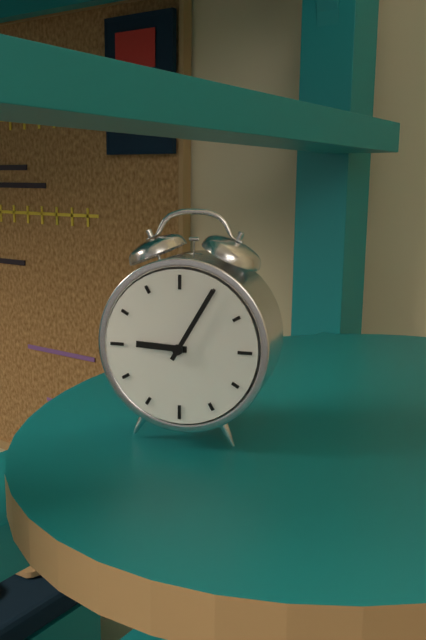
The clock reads h=9 m=5
